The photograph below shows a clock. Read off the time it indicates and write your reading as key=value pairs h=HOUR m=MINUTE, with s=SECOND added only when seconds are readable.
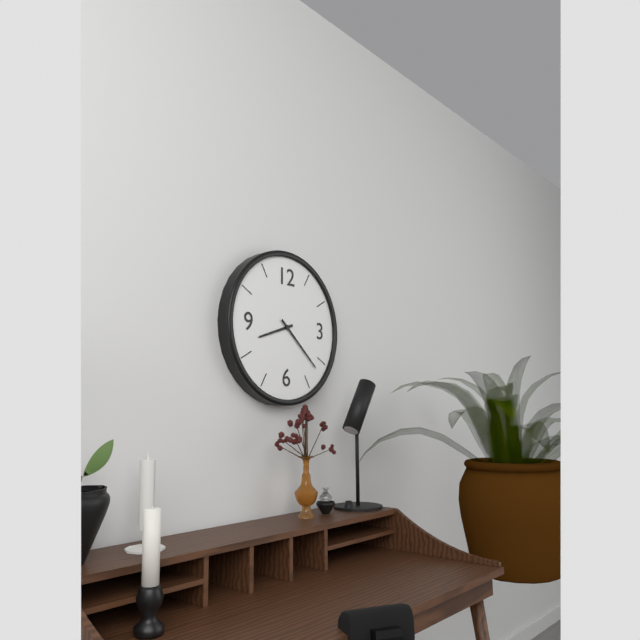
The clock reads h=8 m=22
